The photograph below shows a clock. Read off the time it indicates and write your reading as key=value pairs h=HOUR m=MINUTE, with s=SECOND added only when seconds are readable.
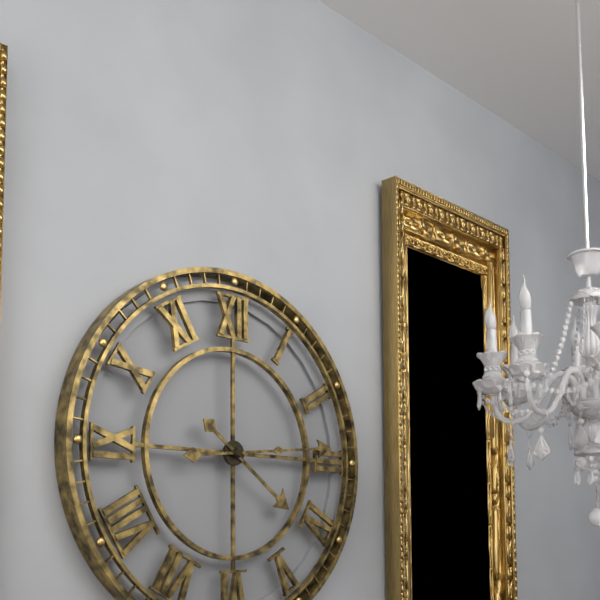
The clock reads h=4 m=14
